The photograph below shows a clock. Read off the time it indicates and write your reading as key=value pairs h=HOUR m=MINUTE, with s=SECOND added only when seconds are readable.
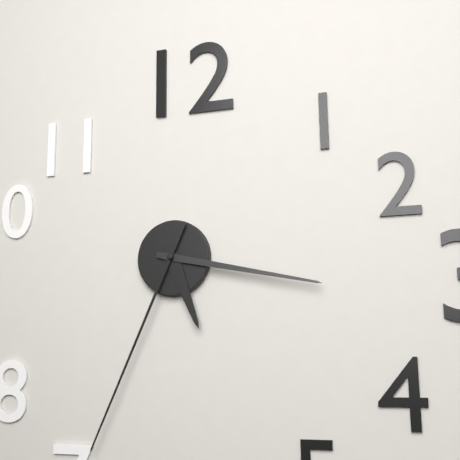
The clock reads h=5 m=17 s=34
